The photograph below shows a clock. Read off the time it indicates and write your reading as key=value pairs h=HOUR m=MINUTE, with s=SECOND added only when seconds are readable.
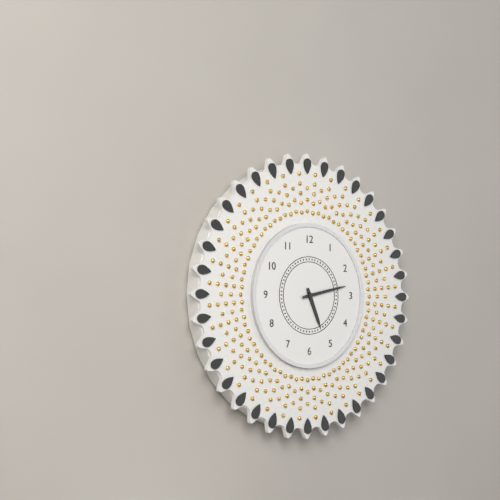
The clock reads h=5 m=13
